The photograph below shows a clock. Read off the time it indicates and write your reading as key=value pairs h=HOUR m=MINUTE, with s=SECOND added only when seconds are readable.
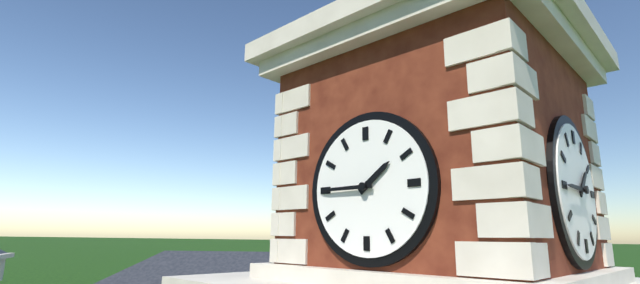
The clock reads h=1 m=45
